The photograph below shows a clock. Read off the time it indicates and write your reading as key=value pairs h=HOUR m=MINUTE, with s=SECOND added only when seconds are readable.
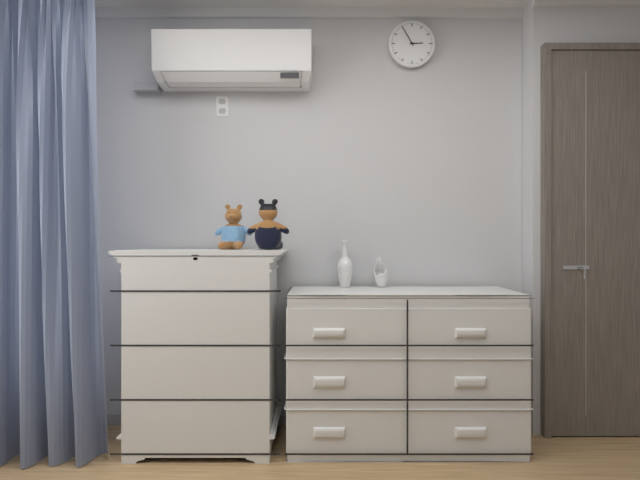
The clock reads h=2 m=55
